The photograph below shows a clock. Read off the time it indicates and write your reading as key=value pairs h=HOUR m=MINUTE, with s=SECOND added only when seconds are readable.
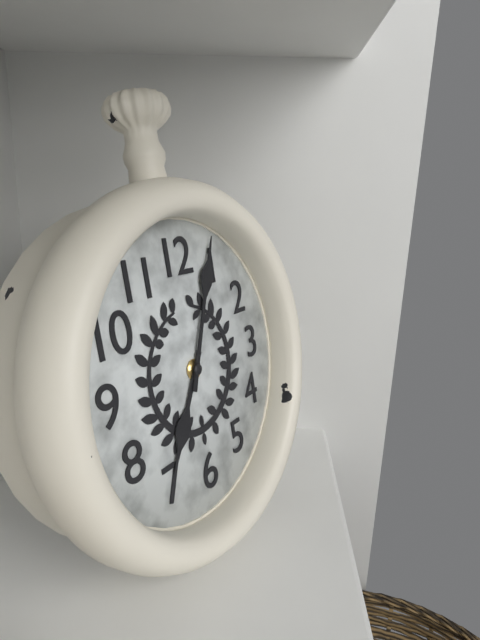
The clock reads h=7 m=4
